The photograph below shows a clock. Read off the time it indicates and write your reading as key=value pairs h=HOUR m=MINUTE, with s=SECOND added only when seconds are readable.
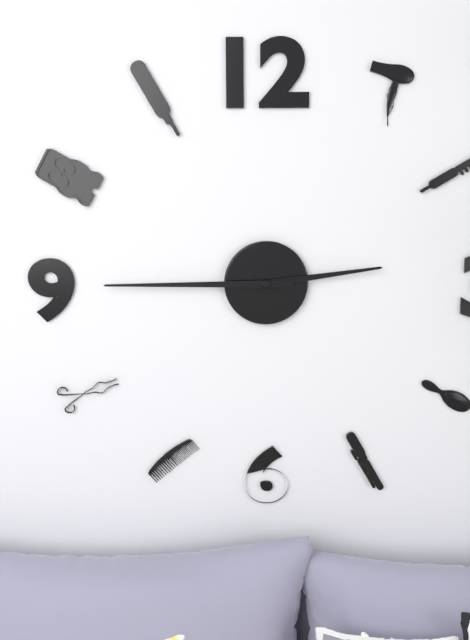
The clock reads h=2 m=45
